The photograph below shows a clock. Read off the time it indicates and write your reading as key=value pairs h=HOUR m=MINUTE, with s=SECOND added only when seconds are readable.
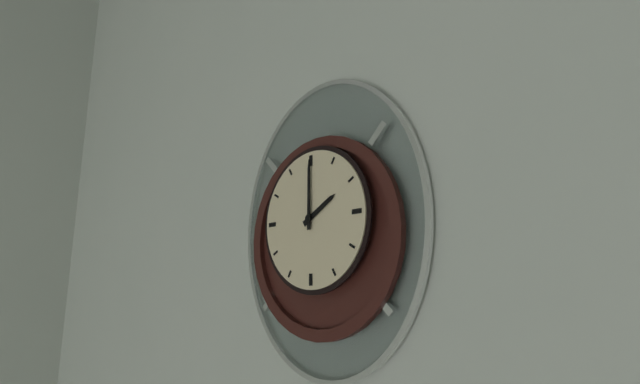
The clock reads h=2 m=0
